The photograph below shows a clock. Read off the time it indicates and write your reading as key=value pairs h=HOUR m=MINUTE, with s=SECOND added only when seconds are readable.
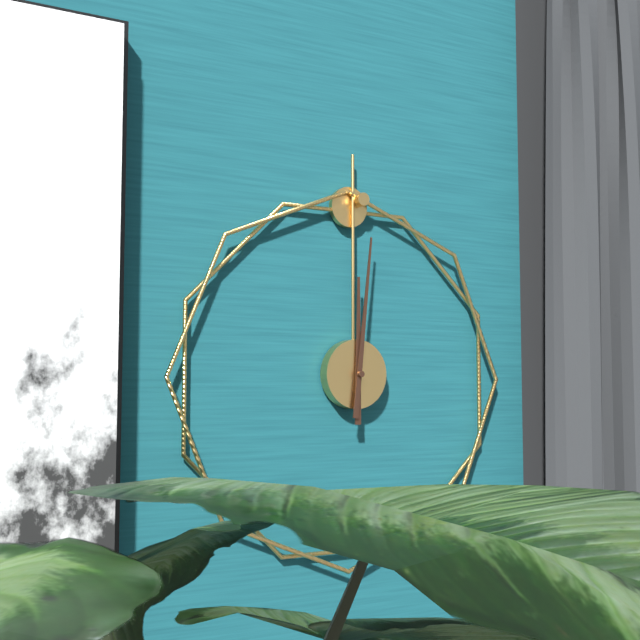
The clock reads h=12 m=1
